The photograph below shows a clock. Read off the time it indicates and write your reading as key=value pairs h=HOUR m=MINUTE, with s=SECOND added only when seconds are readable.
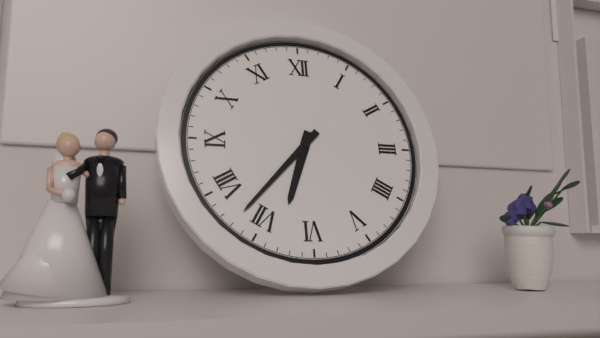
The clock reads h=6 m=37
